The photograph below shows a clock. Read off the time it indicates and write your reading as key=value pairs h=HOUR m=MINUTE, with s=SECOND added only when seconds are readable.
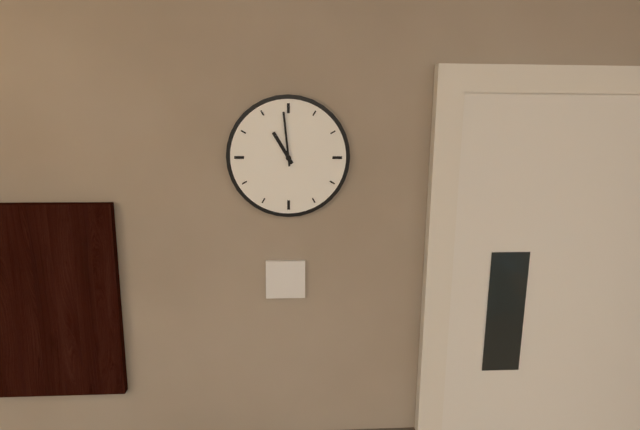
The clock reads h=10 m=59
